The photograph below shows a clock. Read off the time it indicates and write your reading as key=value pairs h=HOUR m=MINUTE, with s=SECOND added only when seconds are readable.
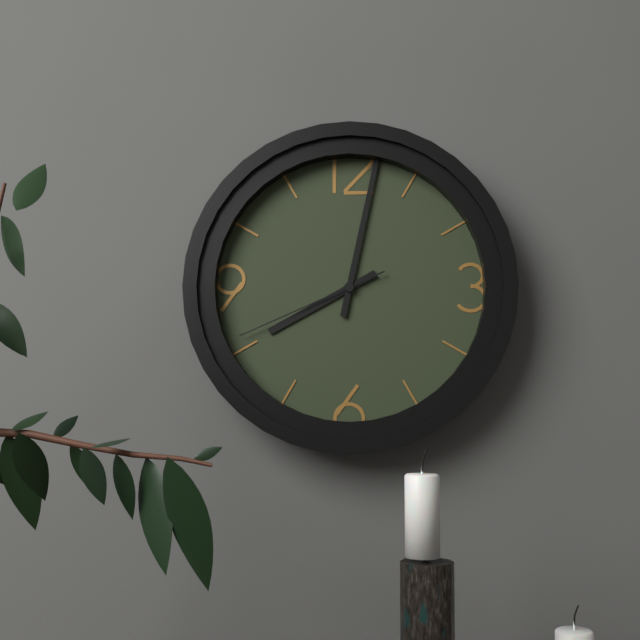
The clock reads h=8 m=2 s=41
